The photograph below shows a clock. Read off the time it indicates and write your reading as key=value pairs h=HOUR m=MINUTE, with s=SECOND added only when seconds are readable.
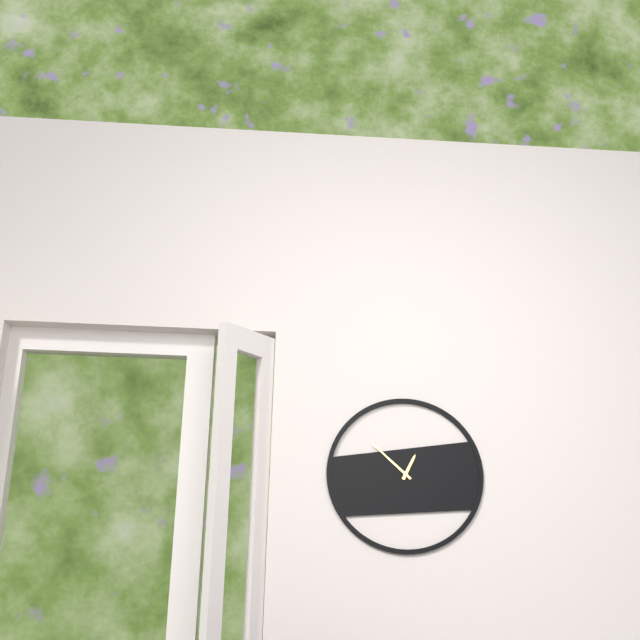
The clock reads h=12 m=52
